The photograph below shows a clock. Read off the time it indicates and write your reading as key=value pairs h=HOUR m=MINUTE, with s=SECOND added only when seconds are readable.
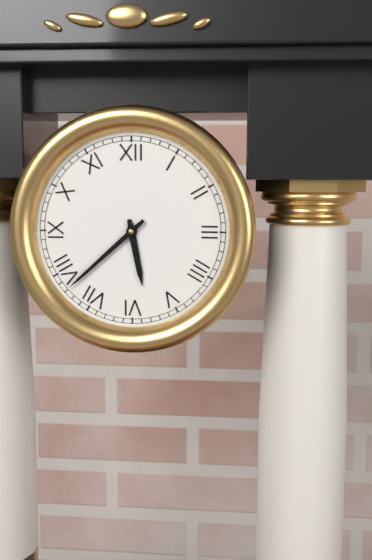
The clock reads h=5 m=38
